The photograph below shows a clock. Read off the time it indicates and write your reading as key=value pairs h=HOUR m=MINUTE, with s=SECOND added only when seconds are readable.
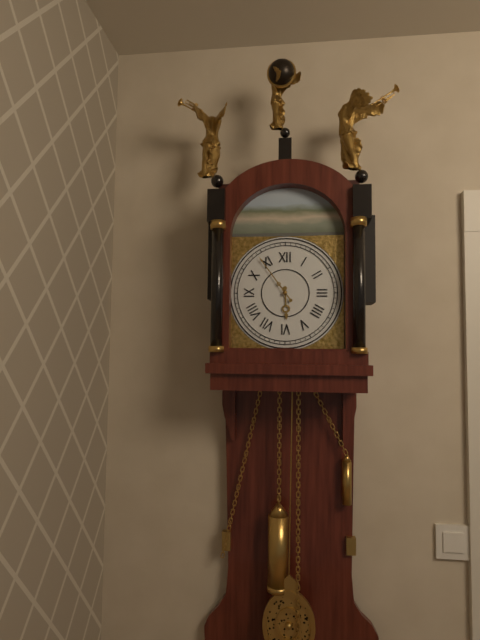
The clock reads h=5 m=54
